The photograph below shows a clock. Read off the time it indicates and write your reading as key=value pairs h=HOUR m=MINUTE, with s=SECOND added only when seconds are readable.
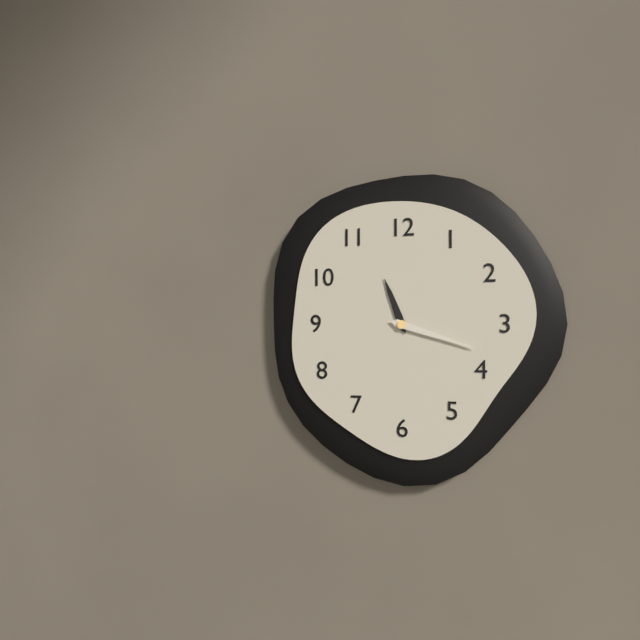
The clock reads h=11 m=18
